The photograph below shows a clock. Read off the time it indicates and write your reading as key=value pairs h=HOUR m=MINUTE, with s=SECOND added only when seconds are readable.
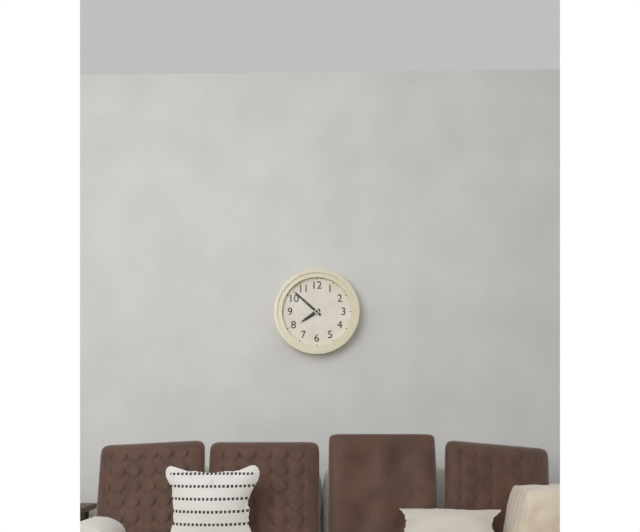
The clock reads h=7 m=52
